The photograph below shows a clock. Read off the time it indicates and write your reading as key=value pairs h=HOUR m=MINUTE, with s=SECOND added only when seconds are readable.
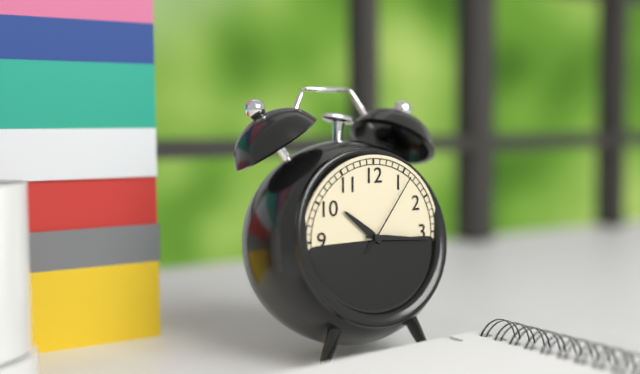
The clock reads h=10 m=16 s=6
